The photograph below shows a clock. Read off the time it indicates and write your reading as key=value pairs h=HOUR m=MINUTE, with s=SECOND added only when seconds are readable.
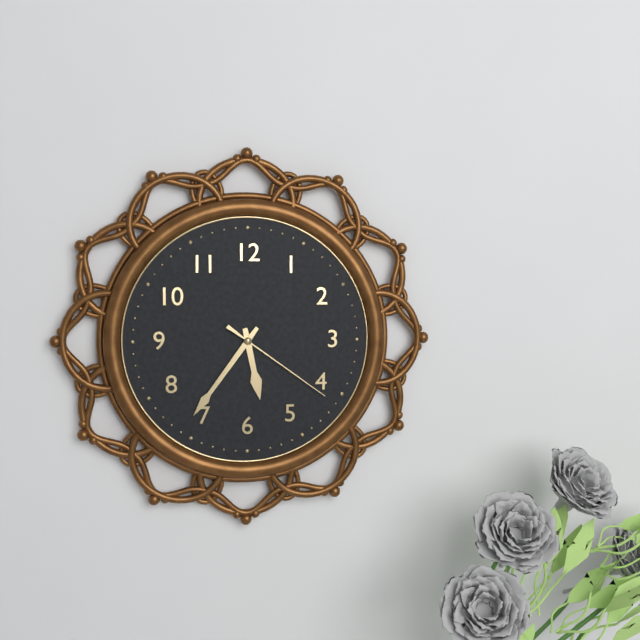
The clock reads h=5 m=36 s=21
